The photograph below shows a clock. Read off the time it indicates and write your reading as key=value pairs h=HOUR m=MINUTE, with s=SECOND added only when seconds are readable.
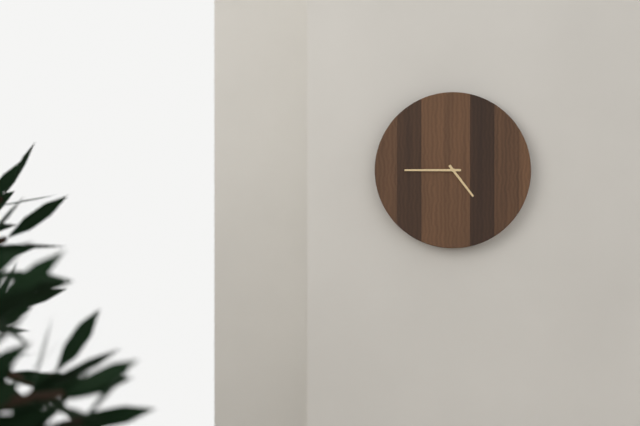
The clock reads h=4 m=45
